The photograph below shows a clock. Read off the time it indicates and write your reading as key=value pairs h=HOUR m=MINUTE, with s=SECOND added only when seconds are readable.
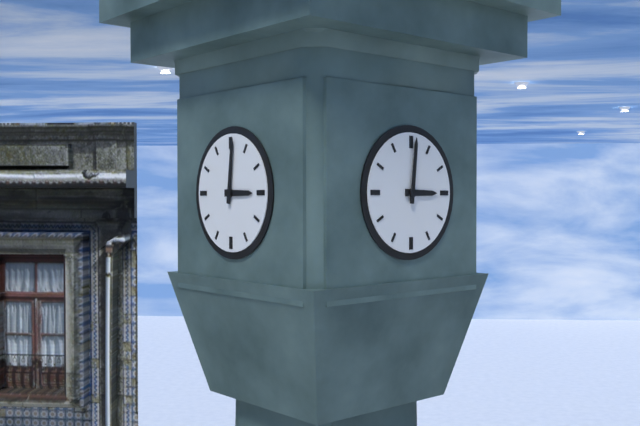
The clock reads h=3 m=1
